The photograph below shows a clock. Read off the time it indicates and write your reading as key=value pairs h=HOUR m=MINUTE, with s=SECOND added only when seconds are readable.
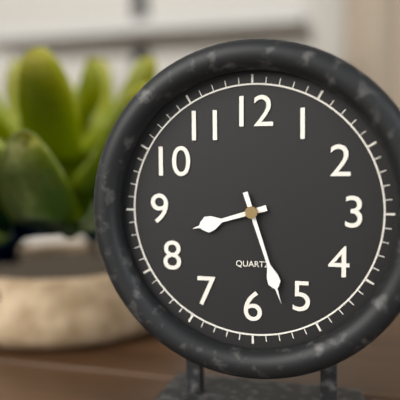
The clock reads h=8 m=27
